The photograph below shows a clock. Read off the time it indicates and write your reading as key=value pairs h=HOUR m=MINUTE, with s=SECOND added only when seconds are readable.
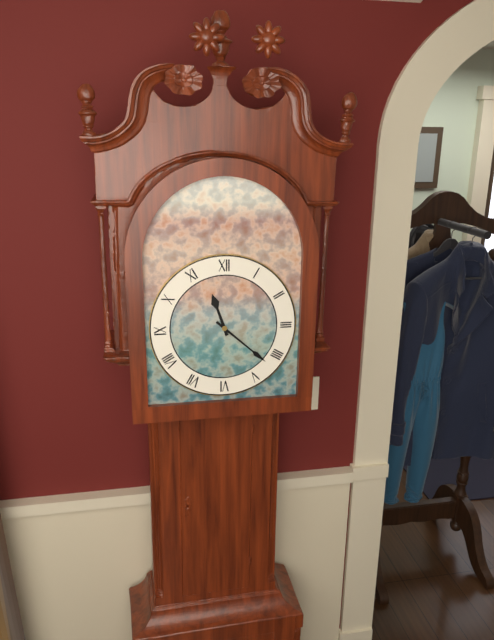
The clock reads h=11 m=22
